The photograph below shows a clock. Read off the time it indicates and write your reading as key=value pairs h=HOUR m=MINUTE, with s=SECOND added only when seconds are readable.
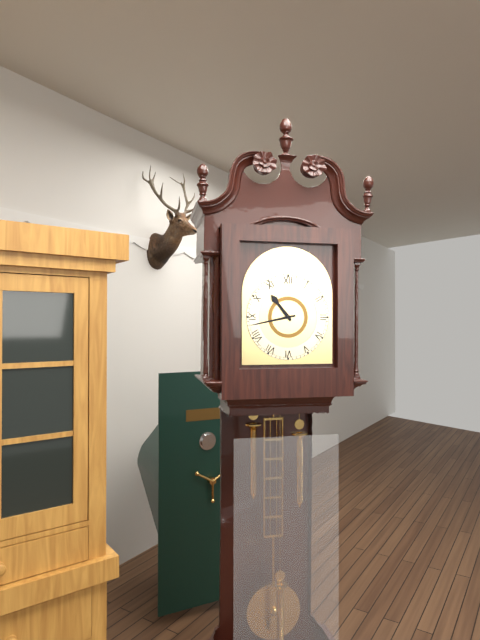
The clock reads h=10 m=43
